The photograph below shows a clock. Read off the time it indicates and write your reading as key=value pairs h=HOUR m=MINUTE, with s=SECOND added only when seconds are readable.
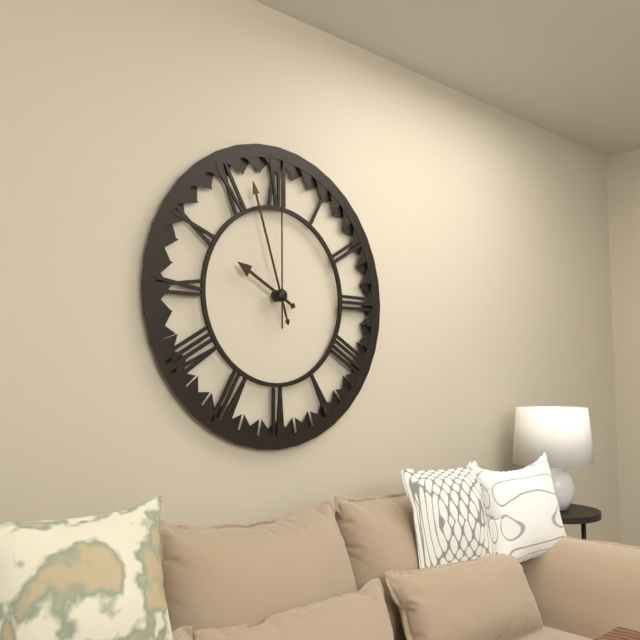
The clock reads h=9 m=57 s=0
